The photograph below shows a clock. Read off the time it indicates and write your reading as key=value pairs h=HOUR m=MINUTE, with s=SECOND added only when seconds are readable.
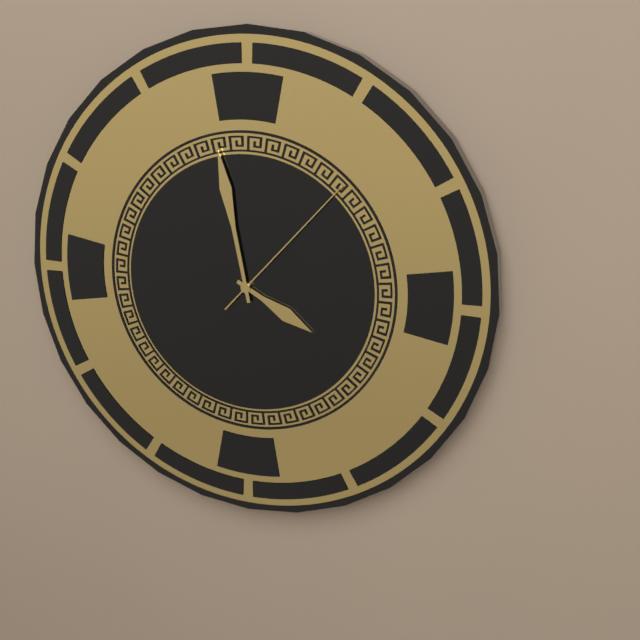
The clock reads h=3 m=58 s=7
